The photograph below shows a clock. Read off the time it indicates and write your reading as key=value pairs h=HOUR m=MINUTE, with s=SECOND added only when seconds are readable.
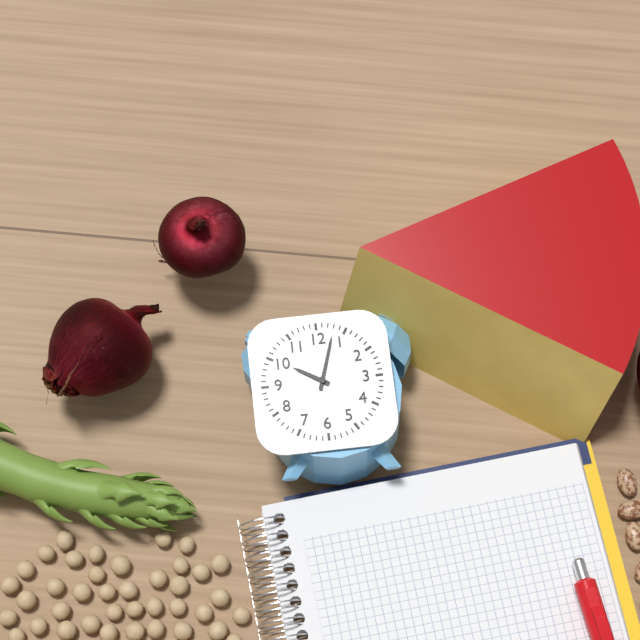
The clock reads h=10 m=3
